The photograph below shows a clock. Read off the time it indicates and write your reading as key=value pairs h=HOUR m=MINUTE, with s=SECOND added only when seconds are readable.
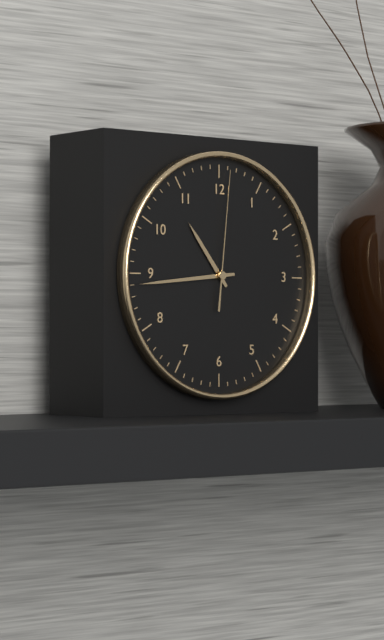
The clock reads h=10 m=44 s=1
